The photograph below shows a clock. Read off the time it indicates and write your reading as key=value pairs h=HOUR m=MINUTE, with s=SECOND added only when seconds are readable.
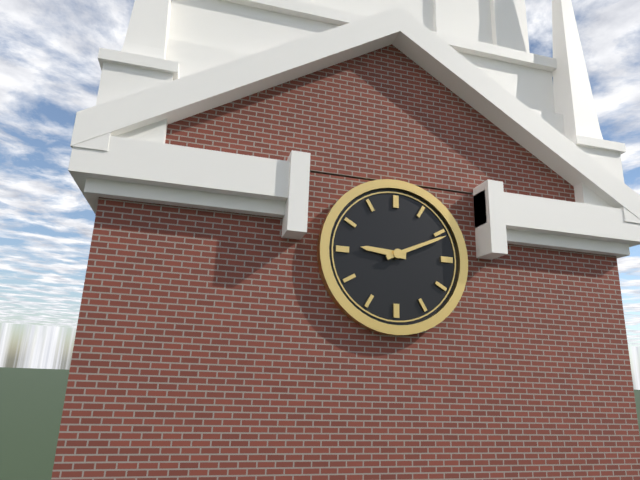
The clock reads h=9 m=11
